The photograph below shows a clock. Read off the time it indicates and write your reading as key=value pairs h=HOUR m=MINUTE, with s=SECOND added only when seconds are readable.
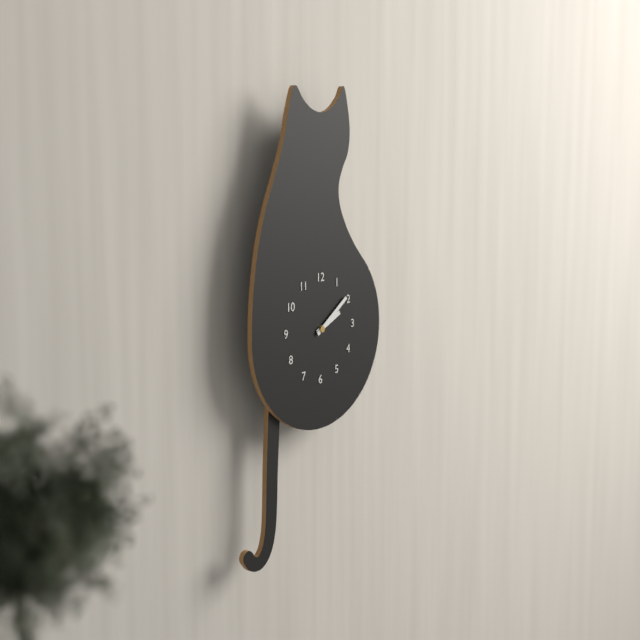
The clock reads h=2 m=9
